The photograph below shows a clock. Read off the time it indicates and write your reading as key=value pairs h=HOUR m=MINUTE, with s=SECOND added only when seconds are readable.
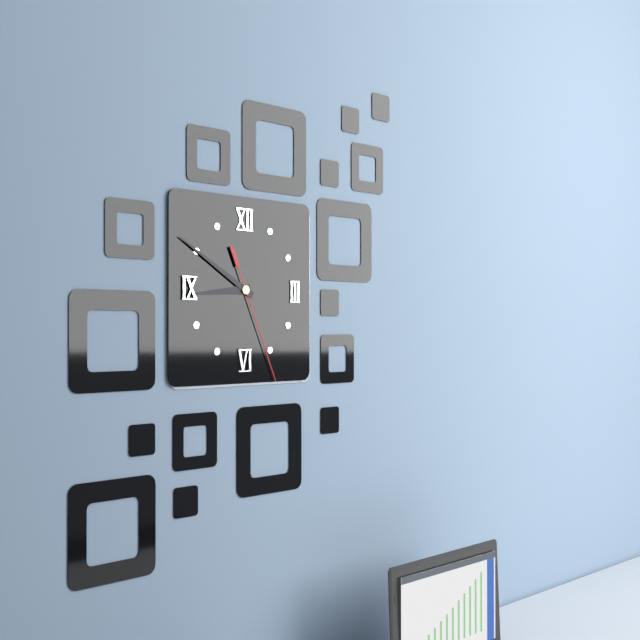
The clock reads h=8 m=50 s=26
